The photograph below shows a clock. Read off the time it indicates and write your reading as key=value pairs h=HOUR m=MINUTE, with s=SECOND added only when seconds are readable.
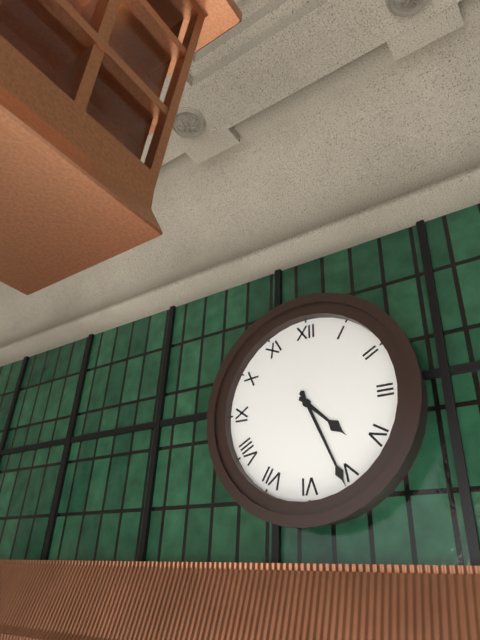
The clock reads h=4 m=26
